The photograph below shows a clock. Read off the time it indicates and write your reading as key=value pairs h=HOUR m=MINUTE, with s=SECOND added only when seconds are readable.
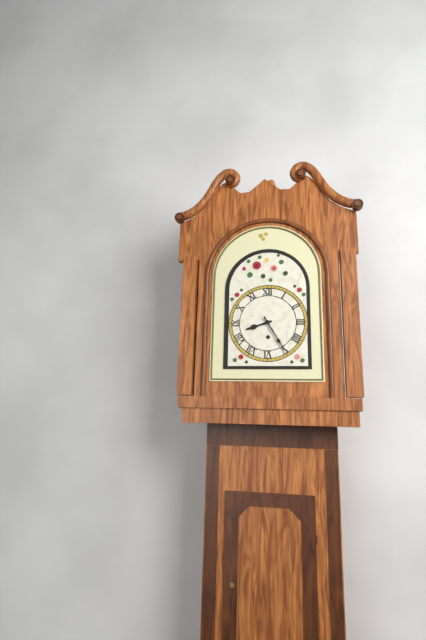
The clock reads h=8 m=25
